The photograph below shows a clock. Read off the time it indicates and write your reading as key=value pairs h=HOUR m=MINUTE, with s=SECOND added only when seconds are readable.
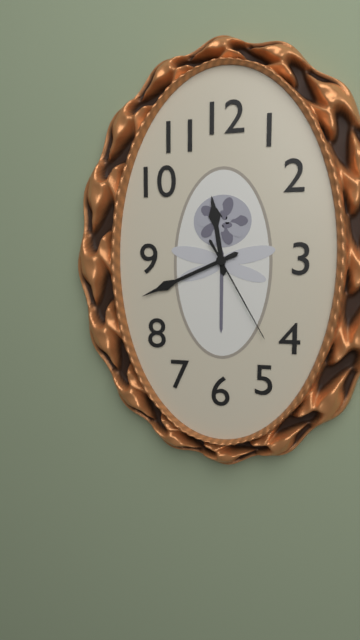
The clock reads h=11 m=41 s=25
